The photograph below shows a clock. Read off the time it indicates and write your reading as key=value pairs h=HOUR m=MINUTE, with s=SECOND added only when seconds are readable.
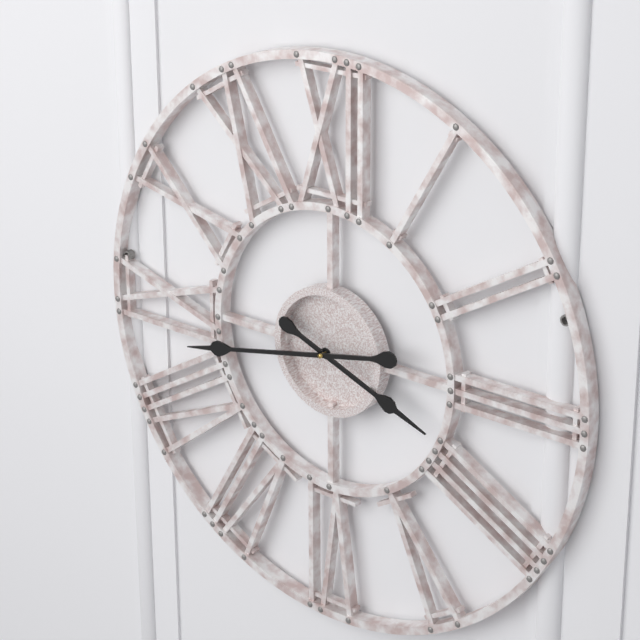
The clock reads h=3 m=43
